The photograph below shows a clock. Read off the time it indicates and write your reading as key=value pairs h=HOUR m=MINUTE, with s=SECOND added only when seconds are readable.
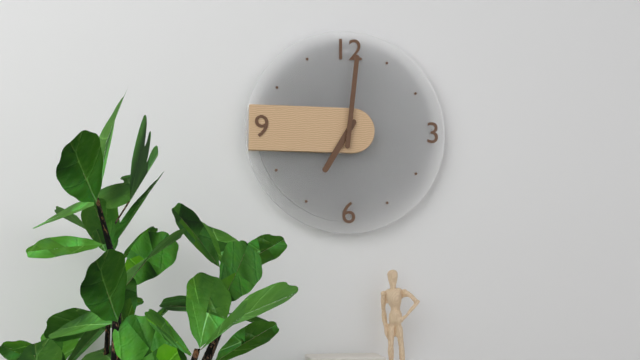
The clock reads h=7 m=1
